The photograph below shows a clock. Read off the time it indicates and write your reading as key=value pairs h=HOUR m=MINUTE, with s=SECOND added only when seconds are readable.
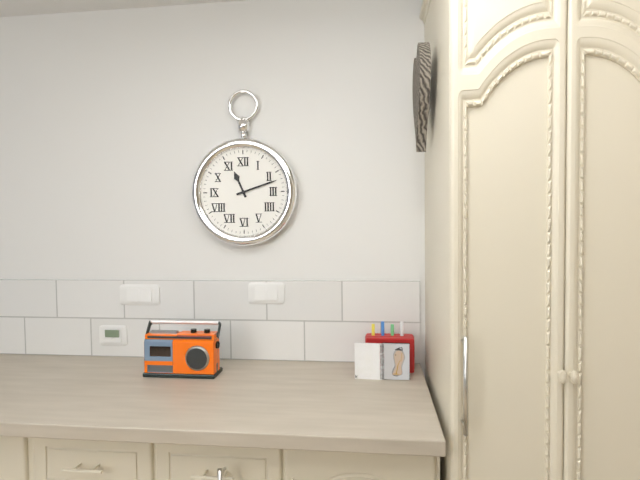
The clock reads h=11 m=12
